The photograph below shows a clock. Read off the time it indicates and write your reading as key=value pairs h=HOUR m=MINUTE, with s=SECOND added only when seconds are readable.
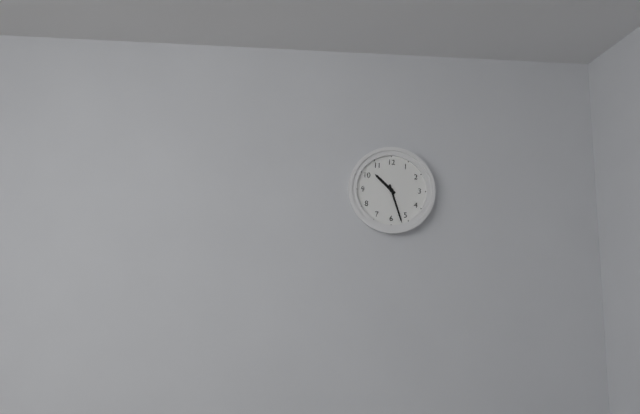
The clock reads h=10 m=27
